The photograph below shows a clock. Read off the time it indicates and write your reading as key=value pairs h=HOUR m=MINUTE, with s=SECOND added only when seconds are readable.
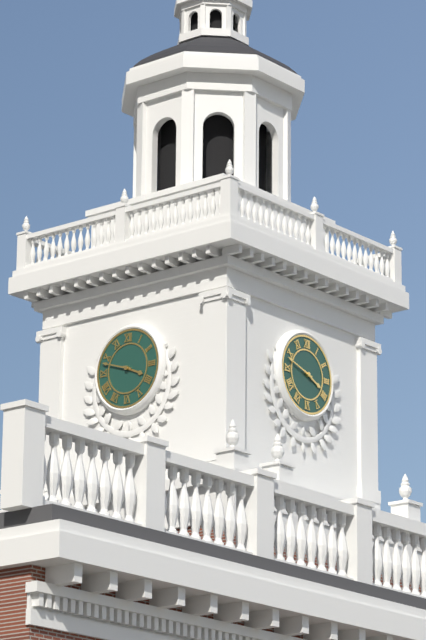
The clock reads h=3 m=48
